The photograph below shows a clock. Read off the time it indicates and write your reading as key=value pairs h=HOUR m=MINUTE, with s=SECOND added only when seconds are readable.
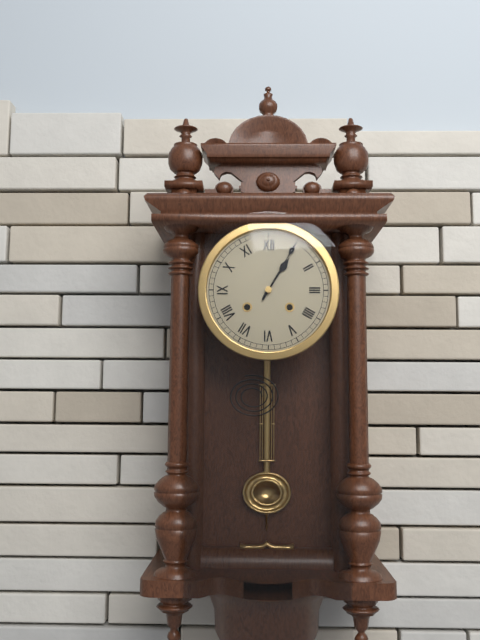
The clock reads h=1 m=5
